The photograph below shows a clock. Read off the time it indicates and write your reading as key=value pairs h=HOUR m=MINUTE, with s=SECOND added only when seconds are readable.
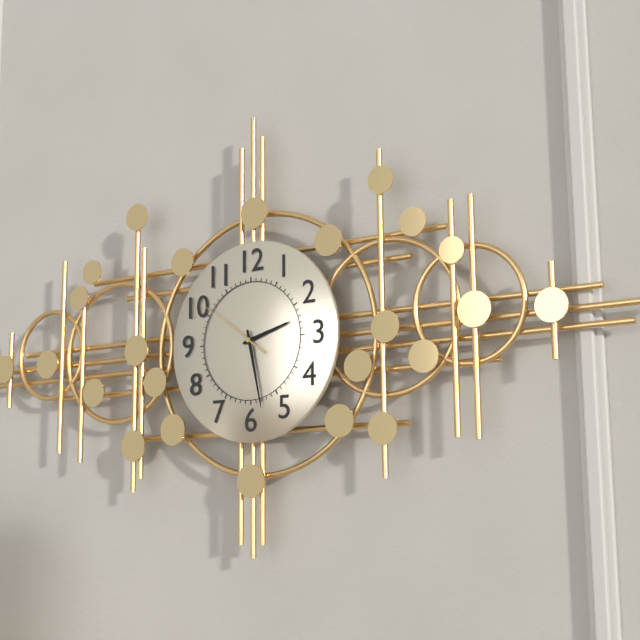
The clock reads h=2 m=28 s=51
